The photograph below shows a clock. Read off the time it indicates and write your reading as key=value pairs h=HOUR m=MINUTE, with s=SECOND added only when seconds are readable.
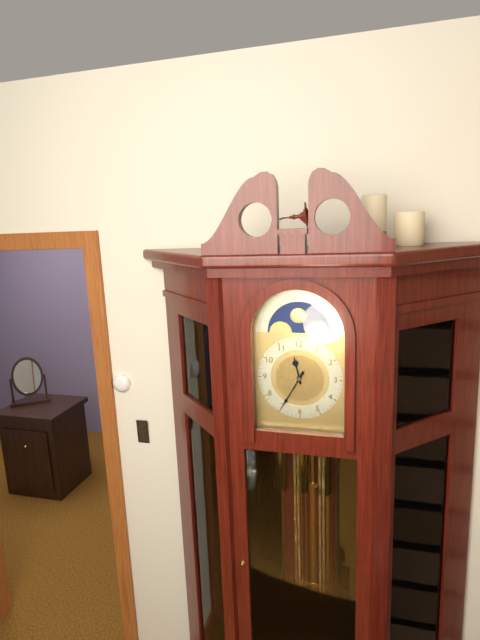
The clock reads h=11 m=35
